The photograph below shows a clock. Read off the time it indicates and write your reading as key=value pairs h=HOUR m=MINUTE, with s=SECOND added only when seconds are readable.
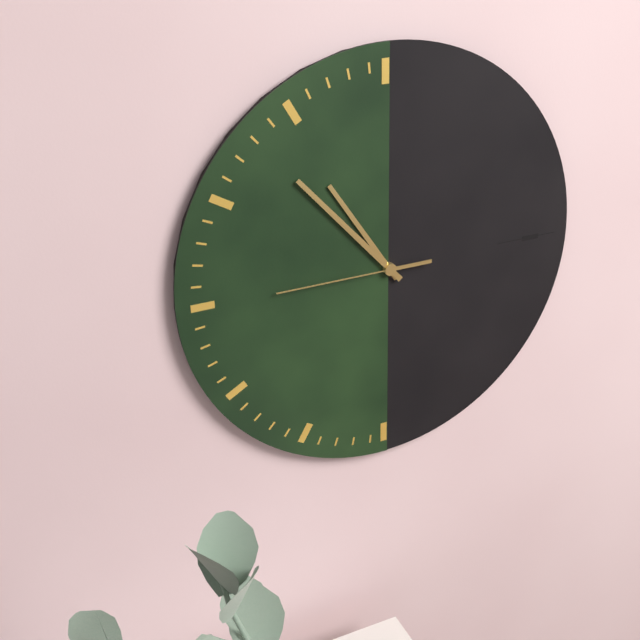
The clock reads h=10 m=53 s=45
